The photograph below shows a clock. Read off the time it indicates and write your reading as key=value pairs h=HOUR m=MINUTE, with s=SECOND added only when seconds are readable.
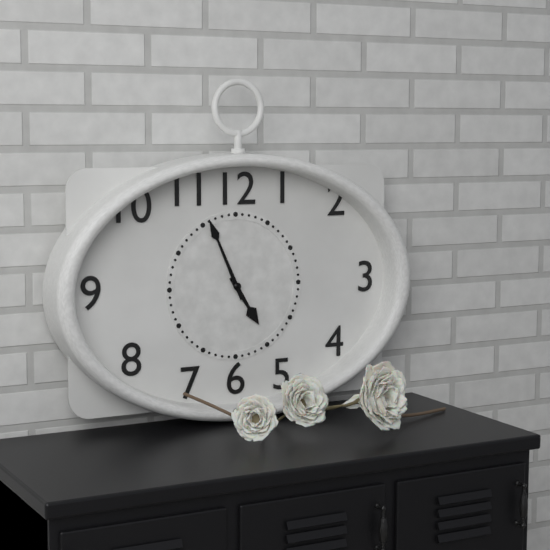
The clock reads h=4 m=56
